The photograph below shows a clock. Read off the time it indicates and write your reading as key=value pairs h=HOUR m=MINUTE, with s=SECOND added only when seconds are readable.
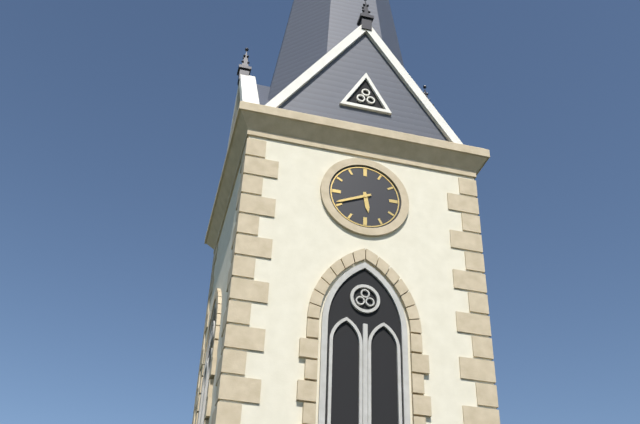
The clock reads h=5 m=41
